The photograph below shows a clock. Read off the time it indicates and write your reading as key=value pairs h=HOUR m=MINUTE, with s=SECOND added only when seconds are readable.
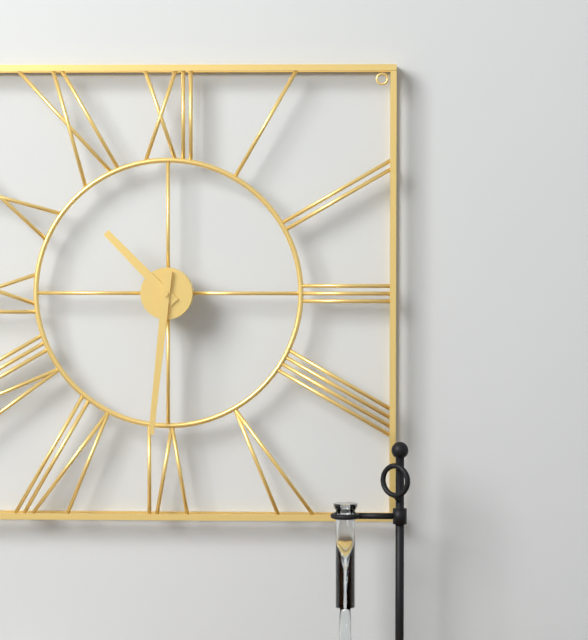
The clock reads h=10 m=31
